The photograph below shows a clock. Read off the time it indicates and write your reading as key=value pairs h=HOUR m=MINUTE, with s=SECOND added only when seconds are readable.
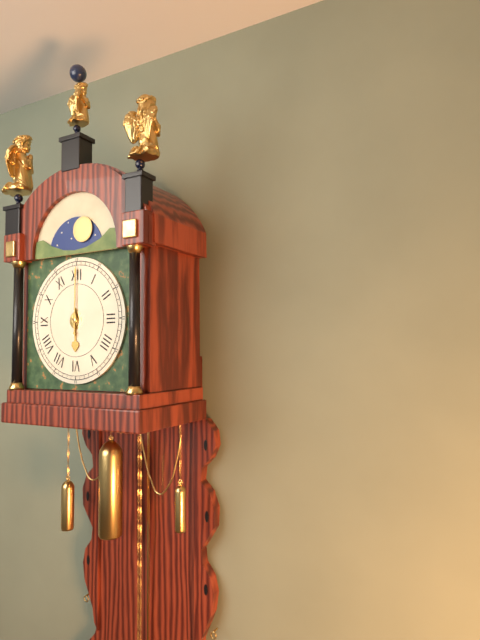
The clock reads h=6 m=0
